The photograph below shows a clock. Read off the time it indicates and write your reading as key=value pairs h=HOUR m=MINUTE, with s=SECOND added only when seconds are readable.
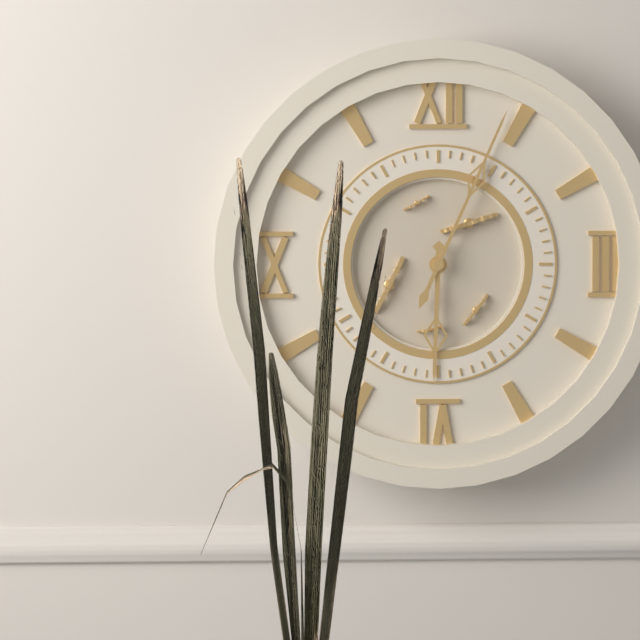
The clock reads h=6 m=4
